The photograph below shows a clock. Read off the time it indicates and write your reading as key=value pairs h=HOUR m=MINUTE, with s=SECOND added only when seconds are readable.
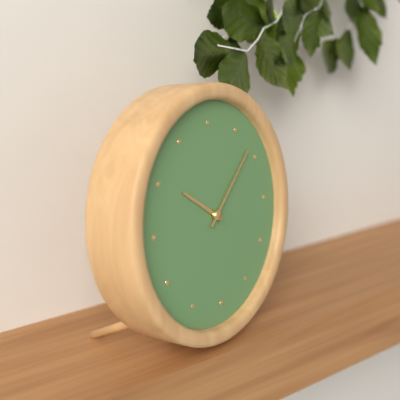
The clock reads h=10 m=8
